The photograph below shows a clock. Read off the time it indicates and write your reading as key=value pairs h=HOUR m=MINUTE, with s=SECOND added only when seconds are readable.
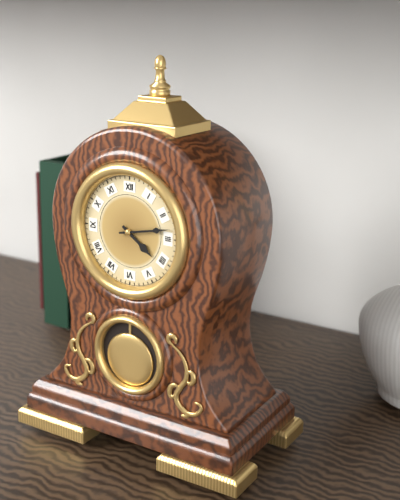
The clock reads h=4 m=13
